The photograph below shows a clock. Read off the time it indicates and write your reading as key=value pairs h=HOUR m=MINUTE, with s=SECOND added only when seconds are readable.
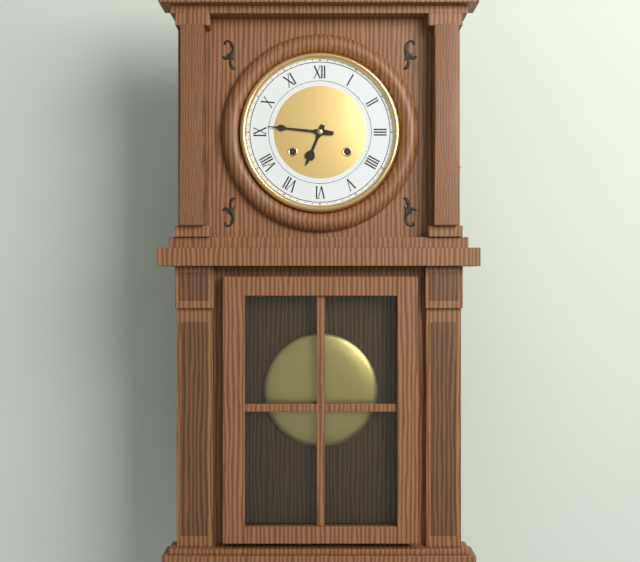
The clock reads h=6 m=46
